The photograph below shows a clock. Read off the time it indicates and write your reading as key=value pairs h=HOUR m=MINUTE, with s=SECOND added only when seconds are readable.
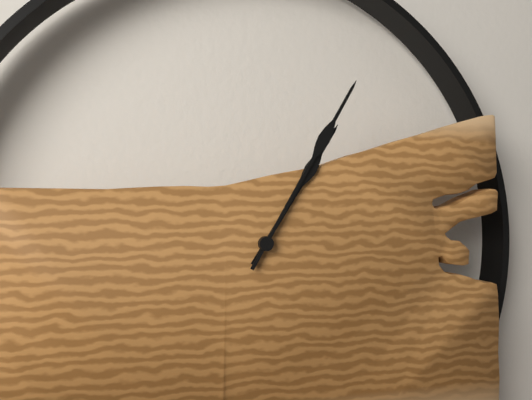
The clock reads h=1 m=5
